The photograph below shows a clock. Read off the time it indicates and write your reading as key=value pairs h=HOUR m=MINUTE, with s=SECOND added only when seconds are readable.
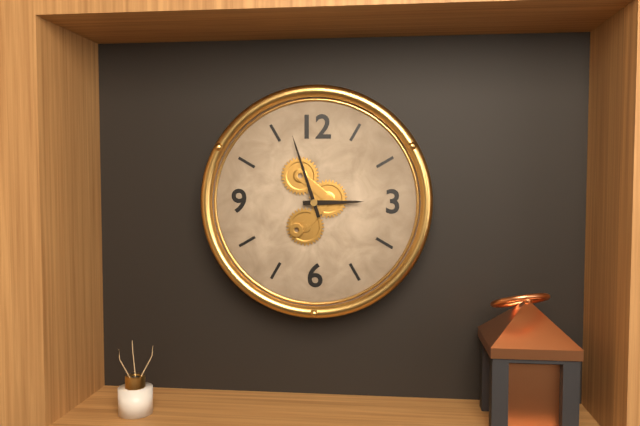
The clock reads h=2 m=57
